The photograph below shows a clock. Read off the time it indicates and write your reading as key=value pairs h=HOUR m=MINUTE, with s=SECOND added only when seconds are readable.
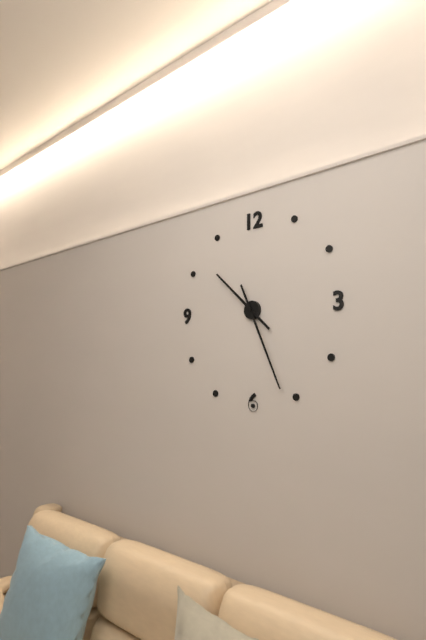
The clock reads h=10 m=26
